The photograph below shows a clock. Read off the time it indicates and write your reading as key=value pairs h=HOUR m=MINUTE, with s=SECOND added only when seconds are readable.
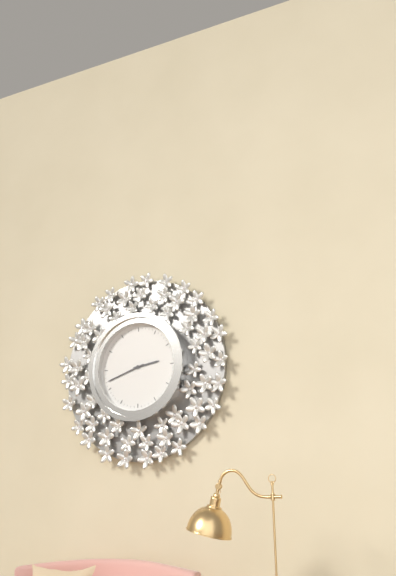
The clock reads h=2 m=42
